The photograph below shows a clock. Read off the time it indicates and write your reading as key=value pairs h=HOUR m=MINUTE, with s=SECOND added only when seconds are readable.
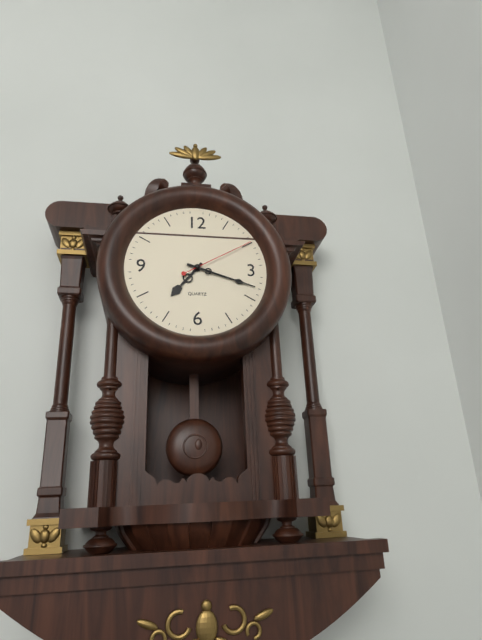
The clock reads h=7 m=18 s=10
